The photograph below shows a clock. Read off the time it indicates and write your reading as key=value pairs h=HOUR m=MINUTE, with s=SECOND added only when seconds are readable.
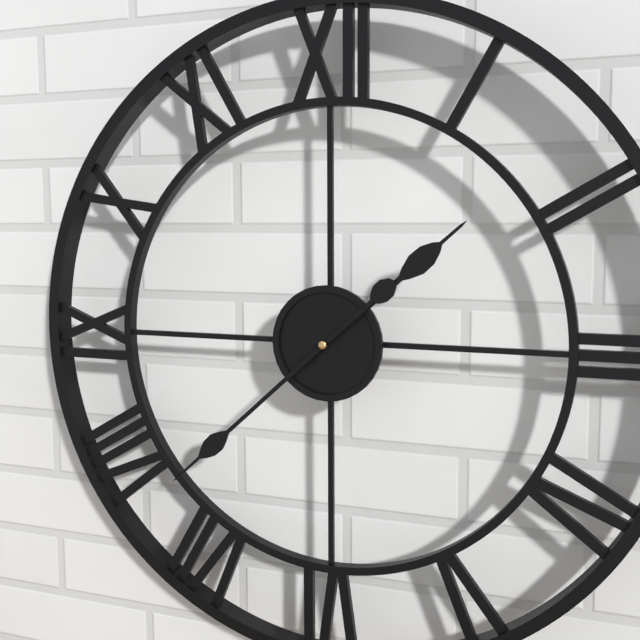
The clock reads h=1 m=38
